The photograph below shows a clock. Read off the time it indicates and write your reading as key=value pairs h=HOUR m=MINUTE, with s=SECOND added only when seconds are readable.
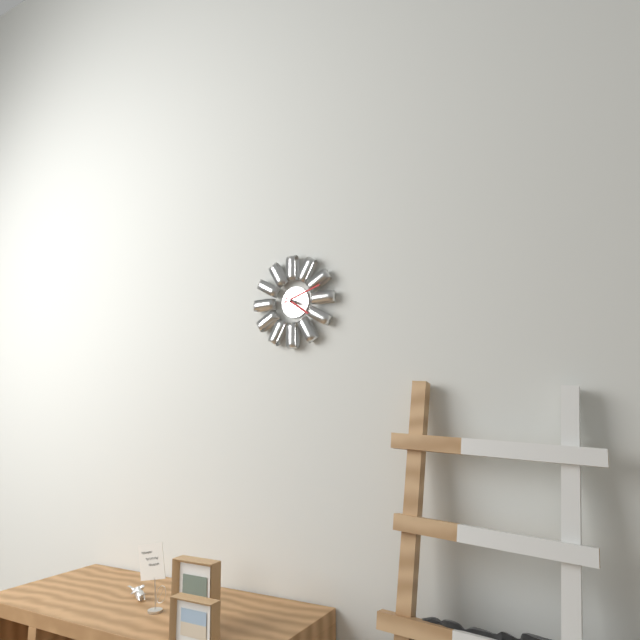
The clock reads h=4 m=12
